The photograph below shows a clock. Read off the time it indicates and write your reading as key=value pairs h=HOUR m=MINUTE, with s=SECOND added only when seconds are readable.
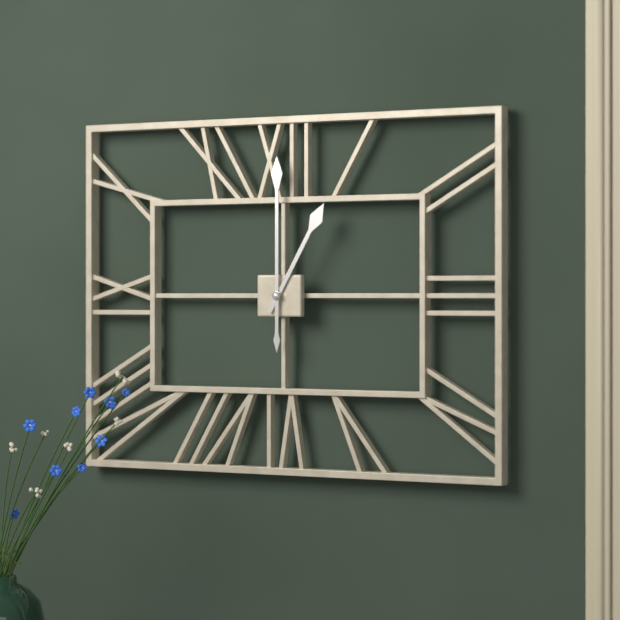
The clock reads h=1 m=0
